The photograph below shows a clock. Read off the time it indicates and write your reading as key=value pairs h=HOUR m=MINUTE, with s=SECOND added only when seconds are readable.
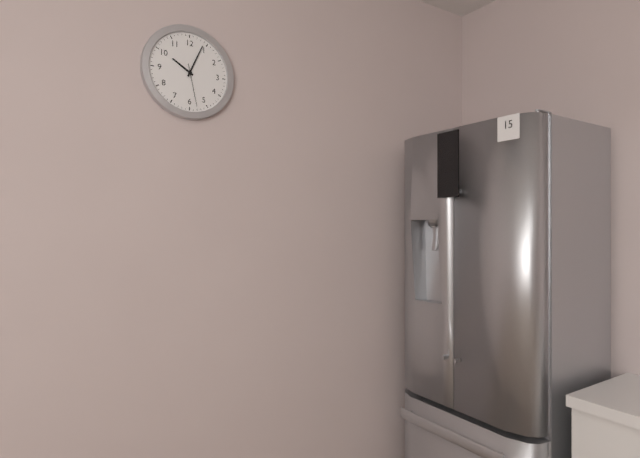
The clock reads h=10 m=4
